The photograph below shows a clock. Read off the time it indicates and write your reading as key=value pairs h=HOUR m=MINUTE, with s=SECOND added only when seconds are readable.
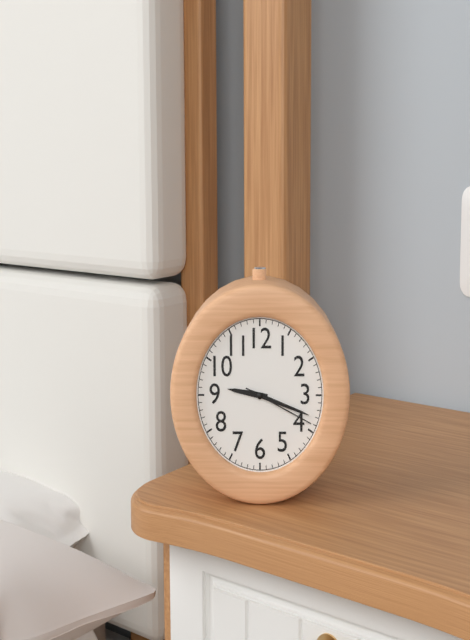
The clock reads h=9 m=18 s=19
